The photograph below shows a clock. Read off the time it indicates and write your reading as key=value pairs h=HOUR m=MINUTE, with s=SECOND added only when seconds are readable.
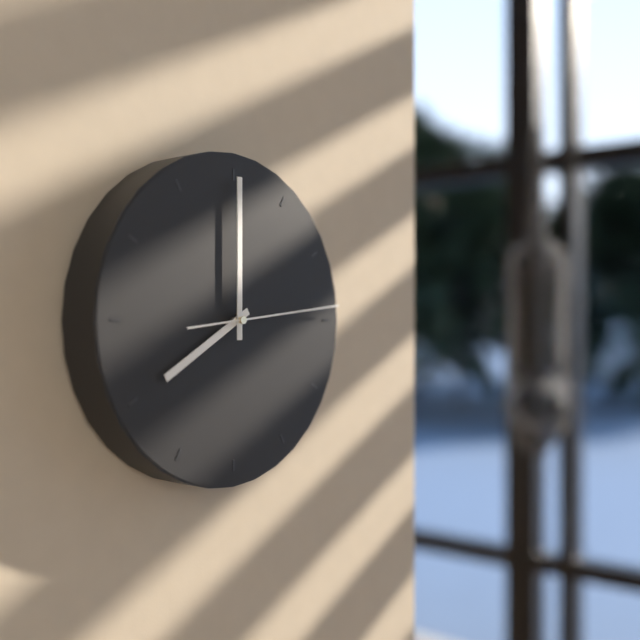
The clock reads h=8 m=0 s=14
